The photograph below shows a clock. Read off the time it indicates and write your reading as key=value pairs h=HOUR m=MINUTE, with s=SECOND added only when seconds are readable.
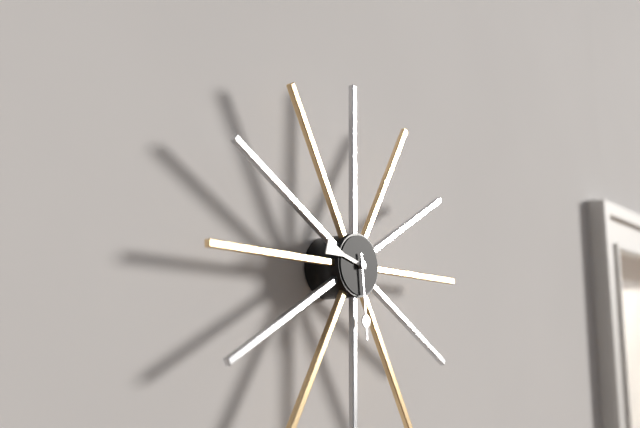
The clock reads h=9 m=29
